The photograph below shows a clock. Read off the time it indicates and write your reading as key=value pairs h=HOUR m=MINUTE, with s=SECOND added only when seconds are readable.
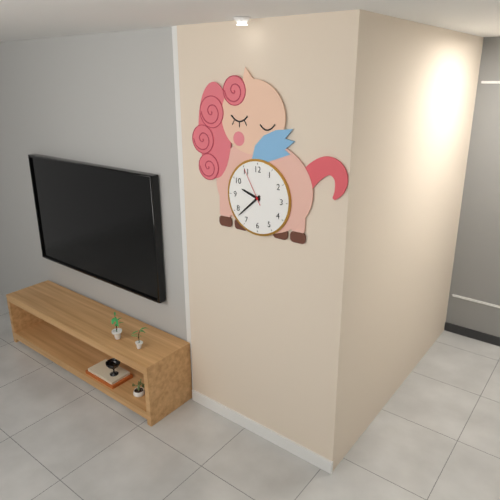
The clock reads h=9 m=38
